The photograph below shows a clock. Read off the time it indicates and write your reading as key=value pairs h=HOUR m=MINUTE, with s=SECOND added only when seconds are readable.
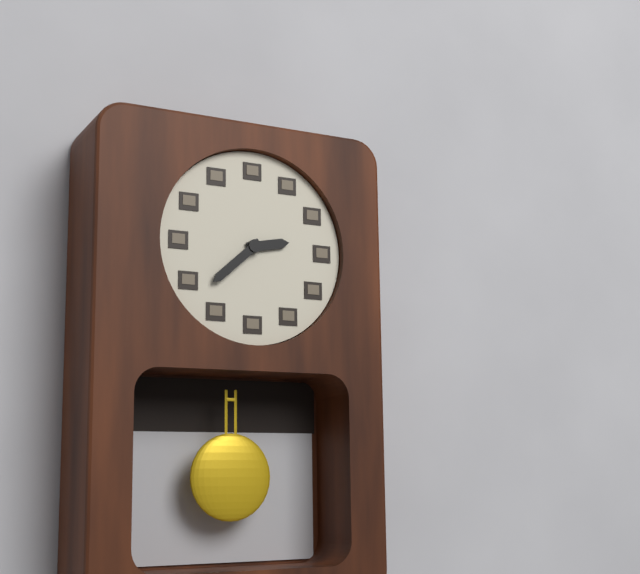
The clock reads h=2 m=38
